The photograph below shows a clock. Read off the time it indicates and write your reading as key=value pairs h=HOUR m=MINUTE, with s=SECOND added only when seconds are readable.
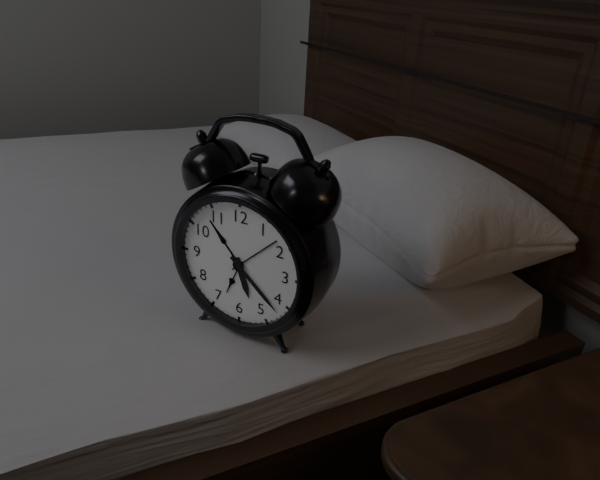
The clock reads h=5 m=22
